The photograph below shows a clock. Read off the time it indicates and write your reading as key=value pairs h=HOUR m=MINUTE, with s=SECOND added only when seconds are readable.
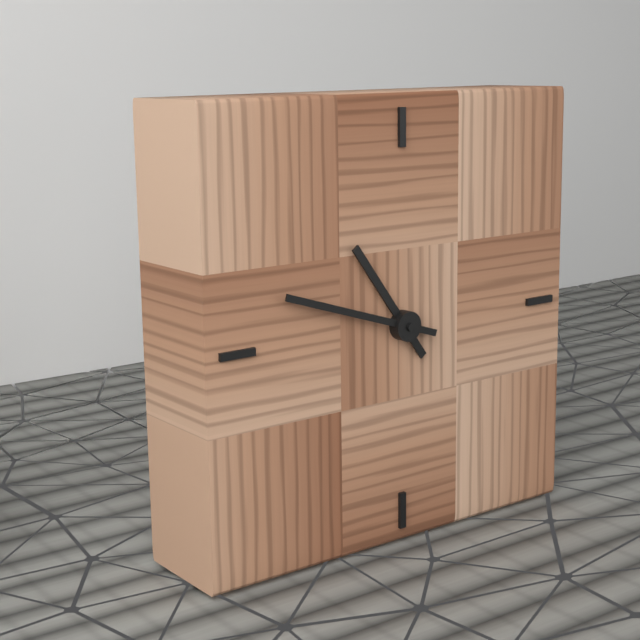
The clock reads h=10 m=48
